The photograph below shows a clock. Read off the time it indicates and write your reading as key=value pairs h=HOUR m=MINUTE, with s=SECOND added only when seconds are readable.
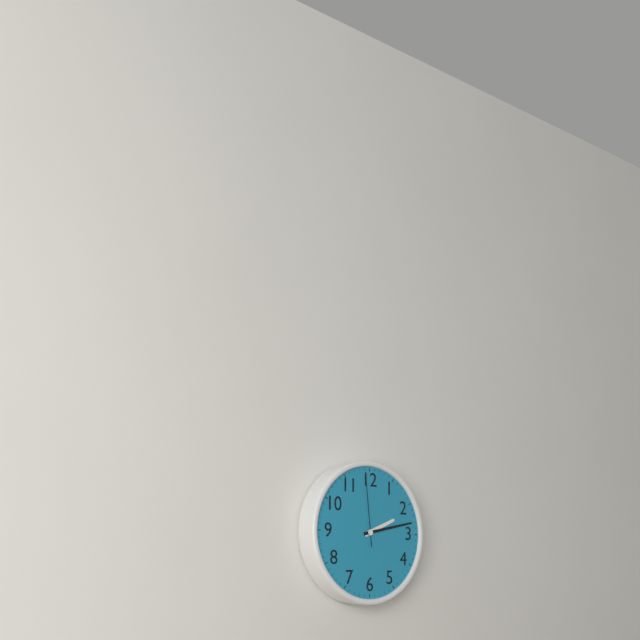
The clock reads h=2 m=13 s=59
